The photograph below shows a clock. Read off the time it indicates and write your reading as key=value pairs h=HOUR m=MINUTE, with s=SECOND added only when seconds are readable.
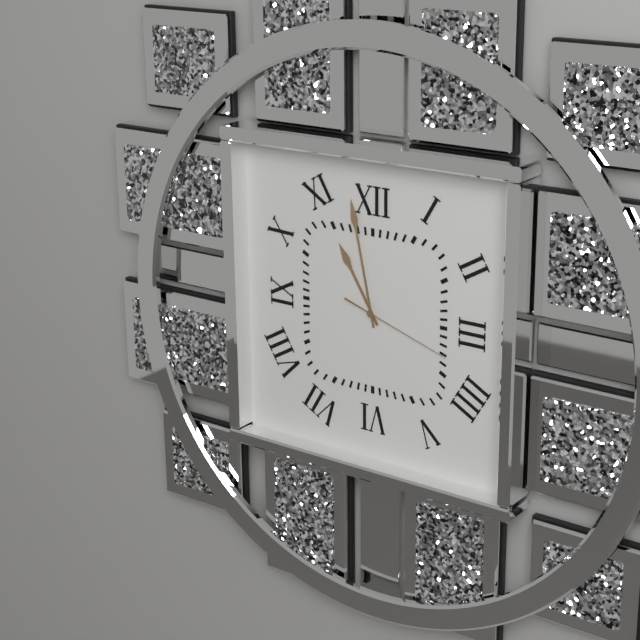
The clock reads h=10 m=58 s=18
